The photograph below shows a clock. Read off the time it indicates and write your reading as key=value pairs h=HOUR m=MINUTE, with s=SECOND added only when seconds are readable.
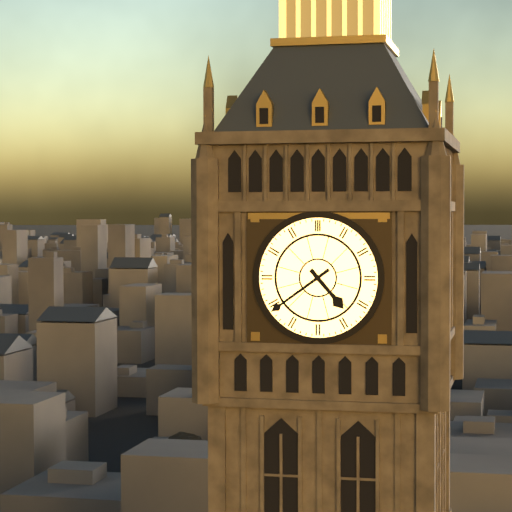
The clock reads h=4 m=39
